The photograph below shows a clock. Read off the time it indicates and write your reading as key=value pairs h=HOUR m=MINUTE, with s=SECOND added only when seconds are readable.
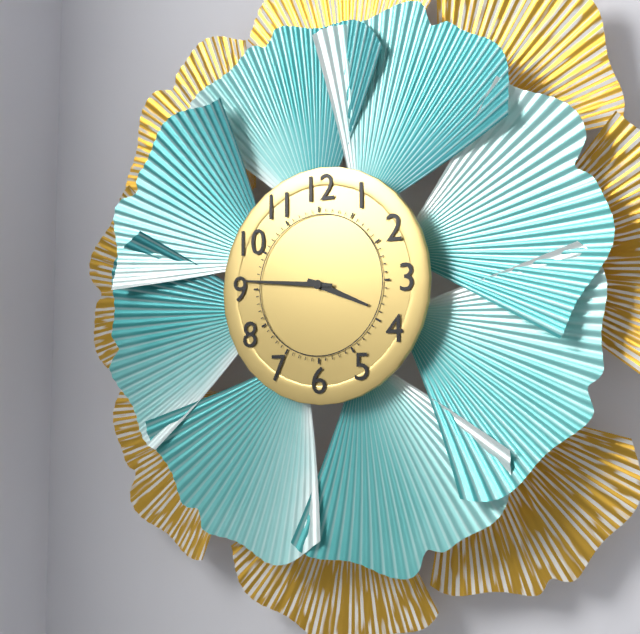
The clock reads h=3 m=46
